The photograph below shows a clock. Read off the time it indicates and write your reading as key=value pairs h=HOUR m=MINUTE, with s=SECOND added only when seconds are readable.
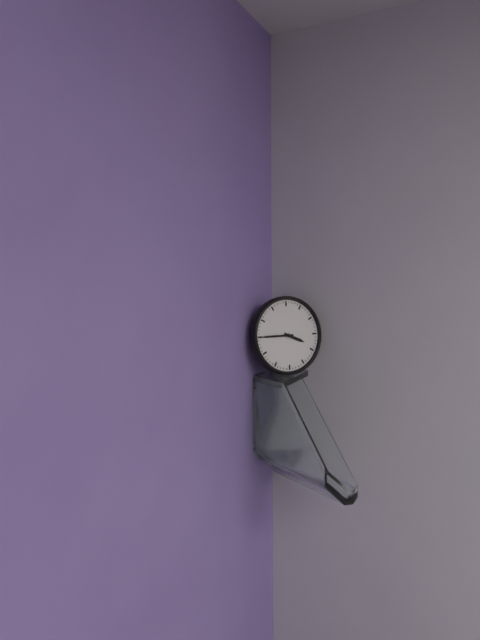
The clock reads h=3 m=45
